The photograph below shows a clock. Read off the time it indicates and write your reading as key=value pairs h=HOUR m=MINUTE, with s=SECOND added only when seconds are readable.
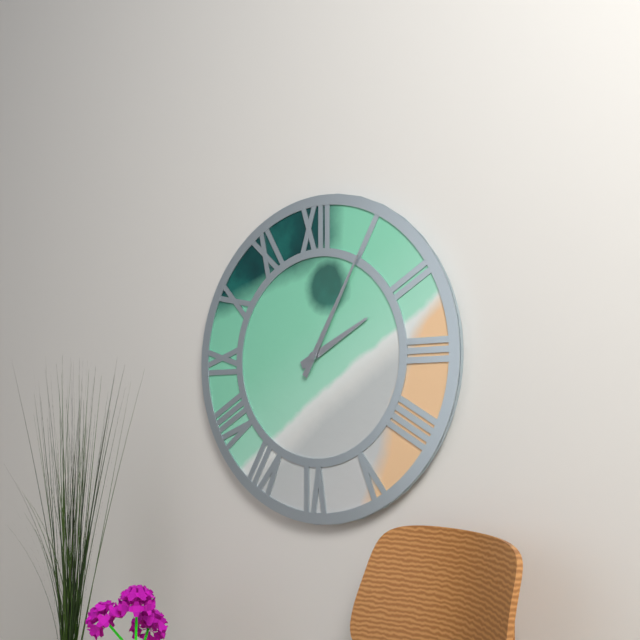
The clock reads h=2 m=5
